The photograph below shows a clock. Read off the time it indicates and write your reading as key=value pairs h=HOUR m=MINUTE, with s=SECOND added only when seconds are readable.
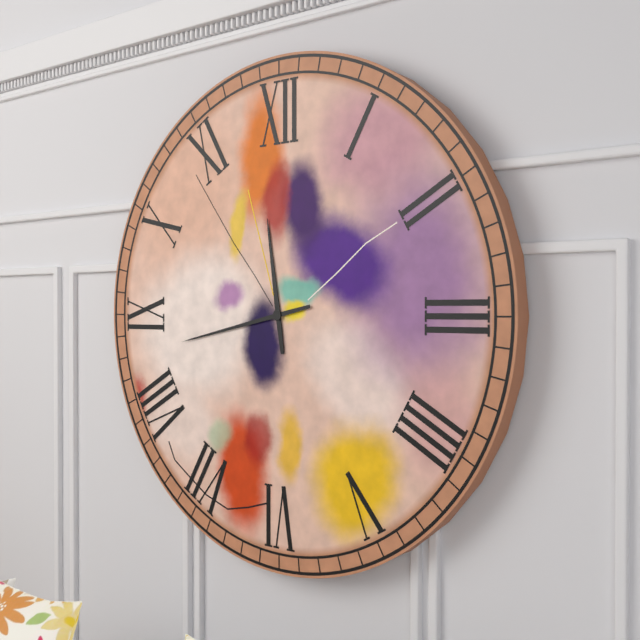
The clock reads h=11 m=43
